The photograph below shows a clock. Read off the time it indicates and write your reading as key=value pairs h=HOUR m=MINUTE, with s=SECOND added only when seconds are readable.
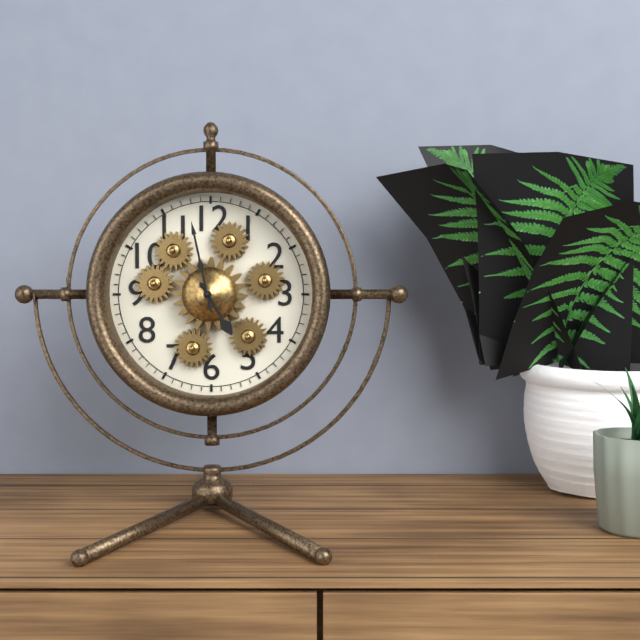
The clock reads h=4 m=58
